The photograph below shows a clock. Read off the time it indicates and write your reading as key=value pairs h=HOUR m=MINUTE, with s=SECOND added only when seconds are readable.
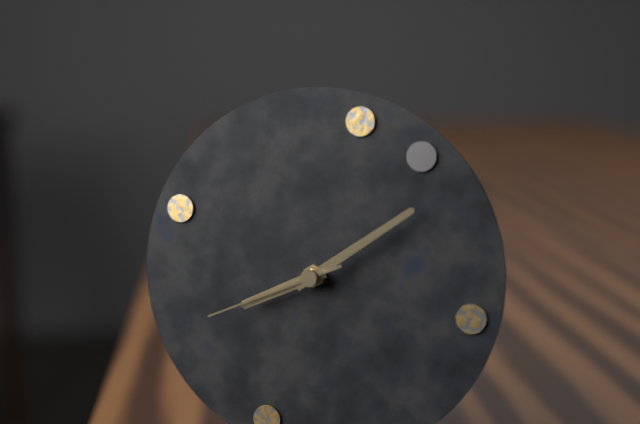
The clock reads h=8 m=9 s=41
